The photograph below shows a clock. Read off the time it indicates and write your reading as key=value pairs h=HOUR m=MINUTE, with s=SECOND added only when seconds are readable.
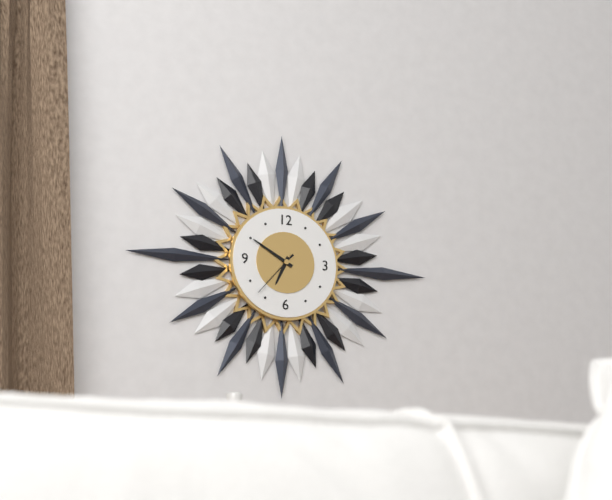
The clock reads h=6 m=50 s=37
